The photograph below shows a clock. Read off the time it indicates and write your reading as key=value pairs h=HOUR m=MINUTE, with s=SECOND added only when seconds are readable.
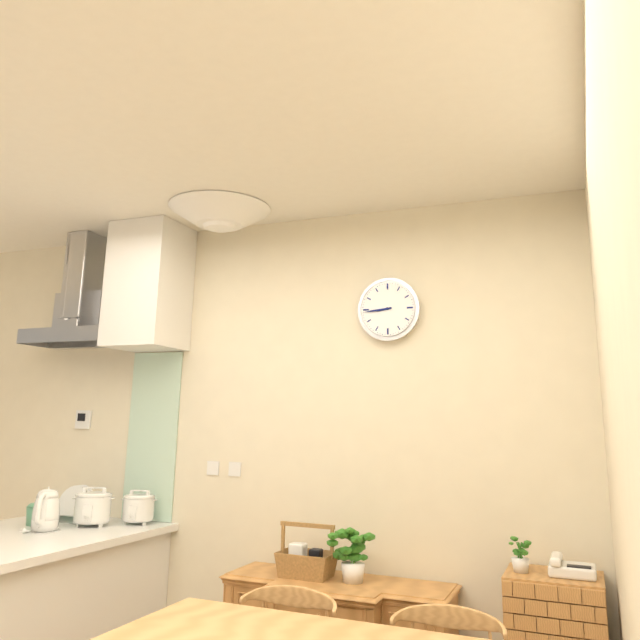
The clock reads h=8 m=44
